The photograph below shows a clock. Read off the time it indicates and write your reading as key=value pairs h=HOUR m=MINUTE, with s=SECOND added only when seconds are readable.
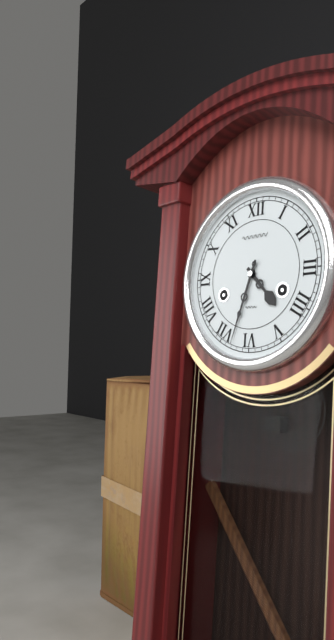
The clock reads h=4 m=33
